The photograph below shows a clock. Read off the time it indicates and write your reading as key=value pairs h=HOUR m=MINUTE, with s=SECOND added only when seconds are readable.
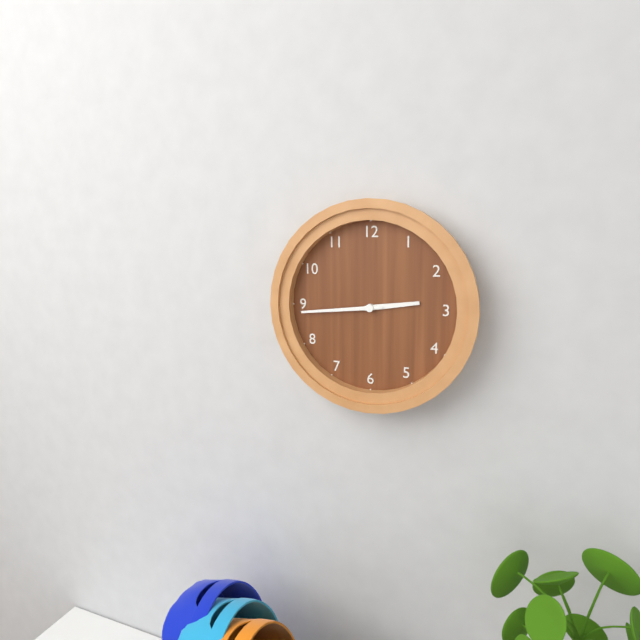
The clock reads h=2 m=44
